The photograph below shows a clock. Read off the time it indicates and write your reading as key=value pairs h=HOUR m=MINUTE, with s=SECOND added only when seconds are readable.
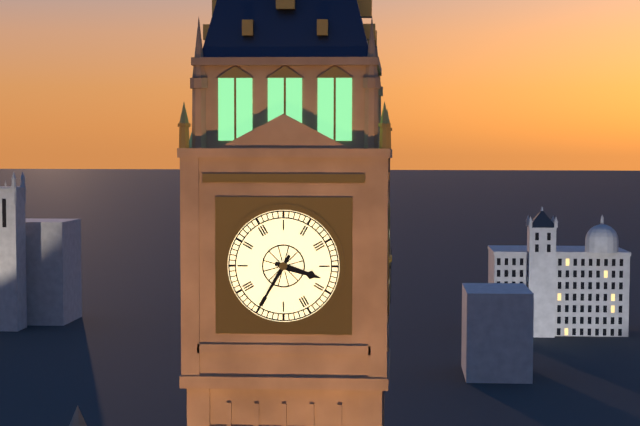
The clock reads h=3 m=35
